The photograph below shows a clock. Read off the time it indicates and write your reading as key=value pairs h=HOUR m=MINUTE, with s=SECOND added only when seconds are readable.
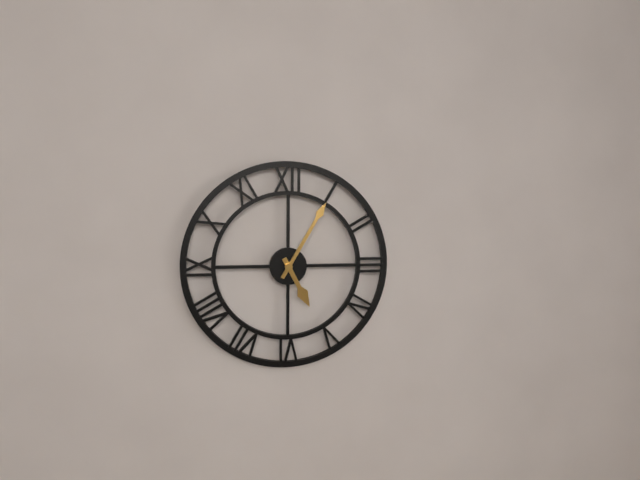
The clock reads h=5 m=5
